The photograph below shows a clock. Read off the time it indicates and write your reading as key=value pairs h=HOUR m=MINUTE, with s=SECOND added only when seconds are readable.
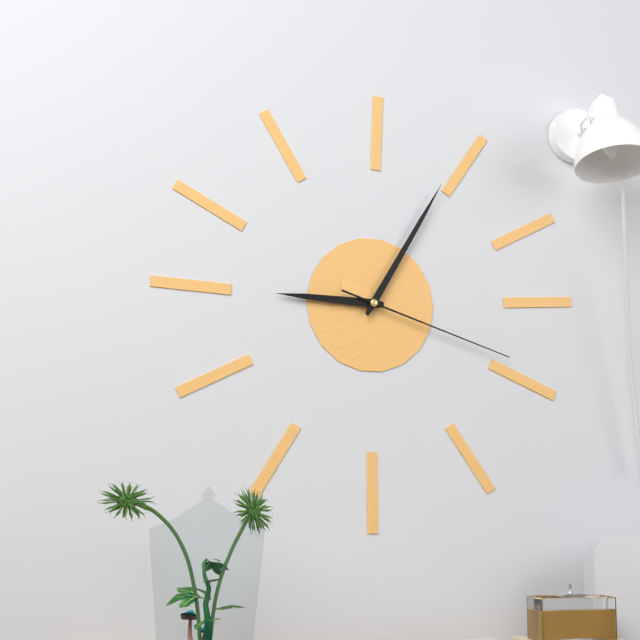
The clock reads h=9 m=5 s=18
